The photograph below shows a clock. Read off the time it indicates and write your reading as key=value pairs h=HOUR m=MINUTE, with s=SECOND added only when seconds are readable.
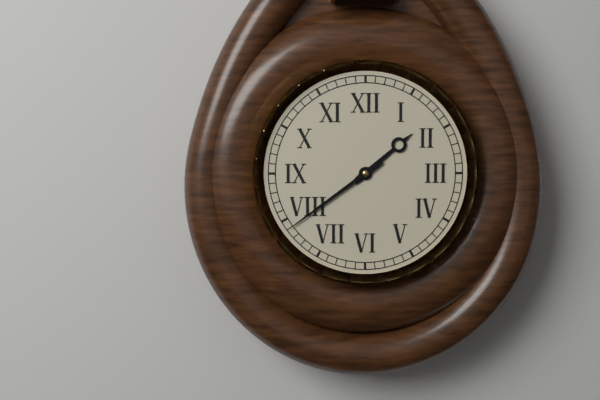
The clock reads h=1 m=39
